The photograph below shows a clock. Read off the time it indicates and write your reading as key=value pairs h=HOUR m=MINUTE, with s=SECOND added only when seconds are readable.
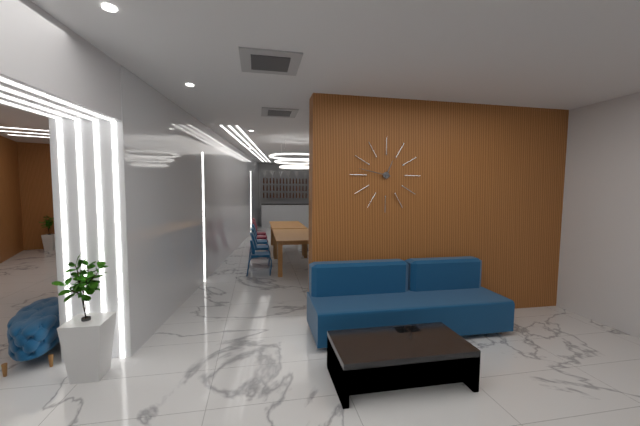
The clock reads h=12 m=47
